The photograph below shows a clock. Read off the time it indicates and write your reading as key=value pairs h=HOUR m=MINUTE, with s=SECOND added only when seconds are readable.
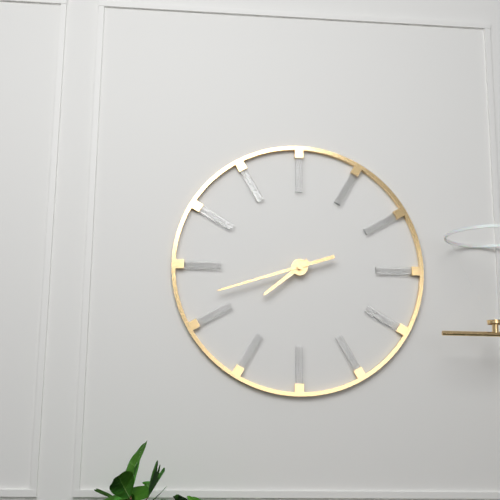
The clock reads h=7 m=42
